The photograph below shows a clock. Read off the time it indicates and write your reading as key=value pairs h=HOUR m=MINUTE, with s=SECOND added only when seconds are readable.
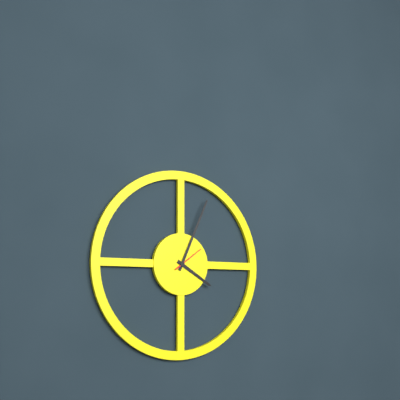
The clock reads h=4 m=4
